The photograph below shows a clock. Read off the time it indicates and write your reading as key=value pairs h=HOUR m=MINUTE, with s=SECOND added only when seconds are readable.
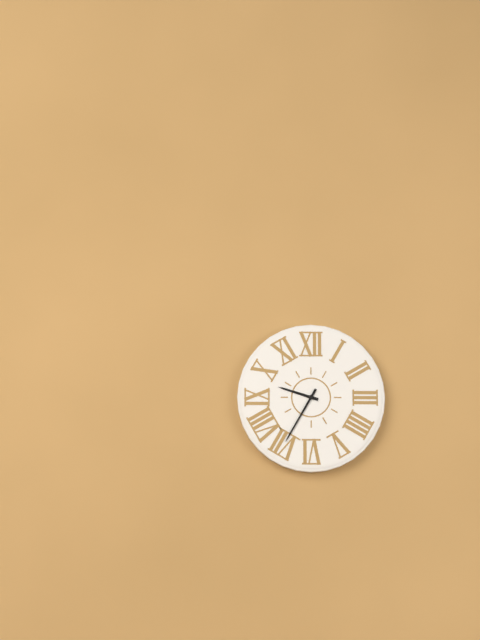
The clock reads h=9 m=35
